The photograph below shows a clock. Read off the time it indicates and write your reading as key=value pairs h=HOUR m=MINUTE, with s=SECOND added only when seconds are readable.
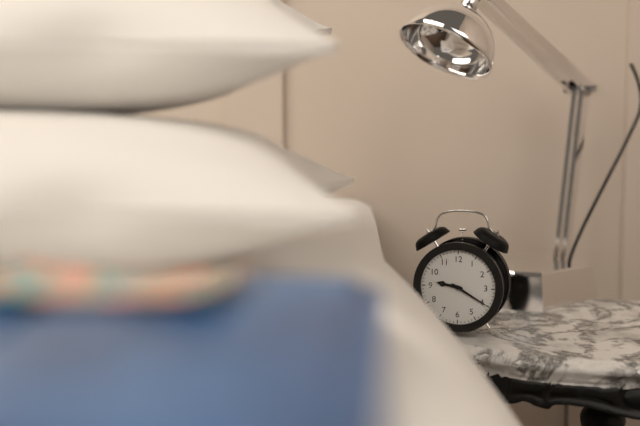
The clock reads h=9 m=20
